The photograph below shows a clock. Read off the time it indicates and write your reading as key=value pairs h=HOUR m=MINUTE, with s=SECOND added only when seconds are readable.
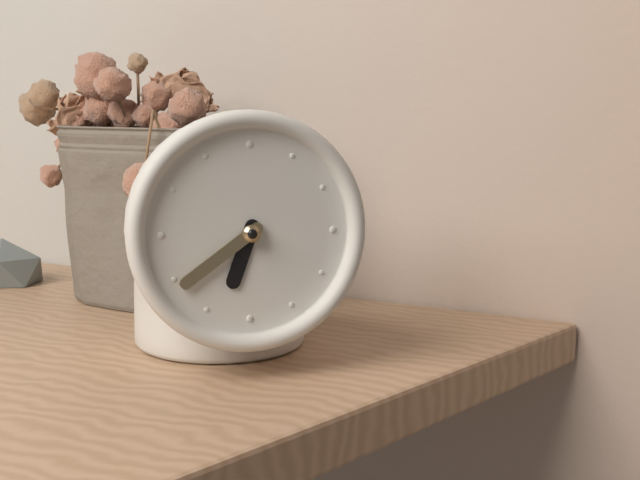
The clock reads h=6 m=39
